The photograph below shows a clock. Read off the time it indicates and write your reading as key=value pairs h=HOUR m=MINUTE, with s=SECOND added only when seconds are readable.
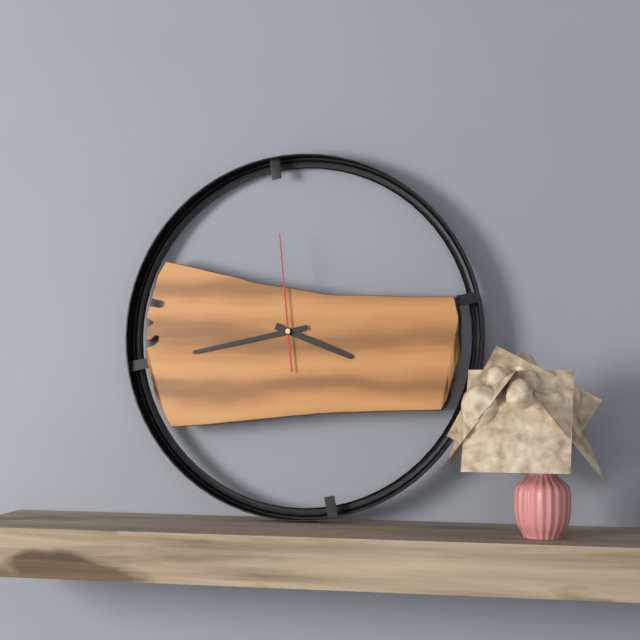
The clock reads h=3 m=43 s=59
